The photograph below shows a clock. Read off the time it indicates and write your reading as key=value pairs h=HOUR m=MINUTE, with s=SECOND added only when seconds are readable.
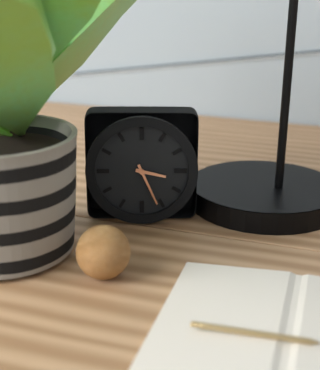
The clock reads h=3 m=26
